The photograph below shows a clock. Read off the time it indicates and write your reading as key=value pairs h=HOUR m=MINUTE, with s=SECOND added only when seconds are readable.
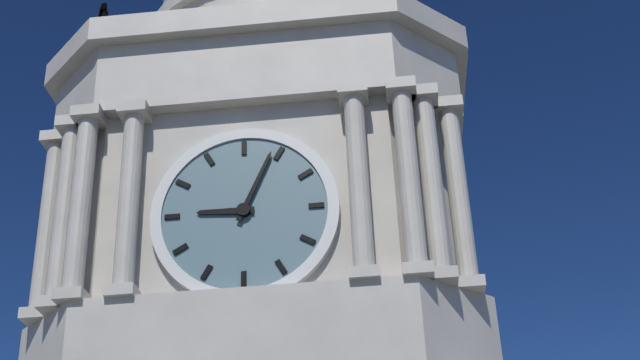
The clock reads h=9 m=4
